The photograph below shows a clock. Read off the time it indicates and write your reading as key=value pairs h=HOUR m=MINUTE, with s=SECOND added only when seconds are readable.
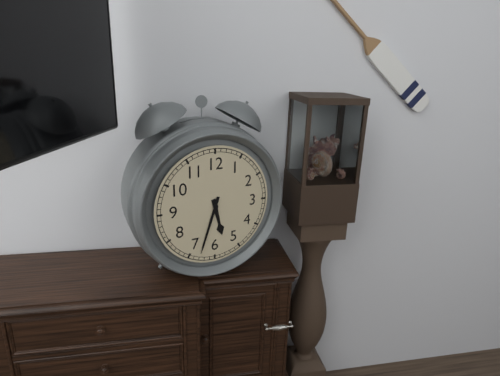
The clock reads h=5 m=33
